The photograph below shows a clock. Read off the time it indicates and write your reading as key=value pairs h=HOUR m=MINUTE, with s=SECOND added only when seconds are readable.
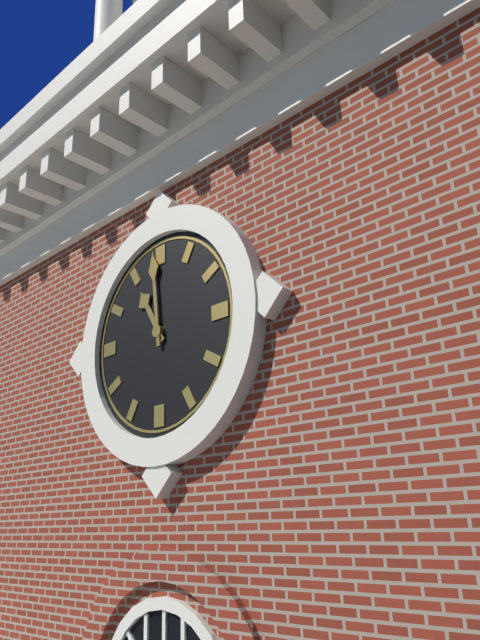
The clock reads h=10 m=59
